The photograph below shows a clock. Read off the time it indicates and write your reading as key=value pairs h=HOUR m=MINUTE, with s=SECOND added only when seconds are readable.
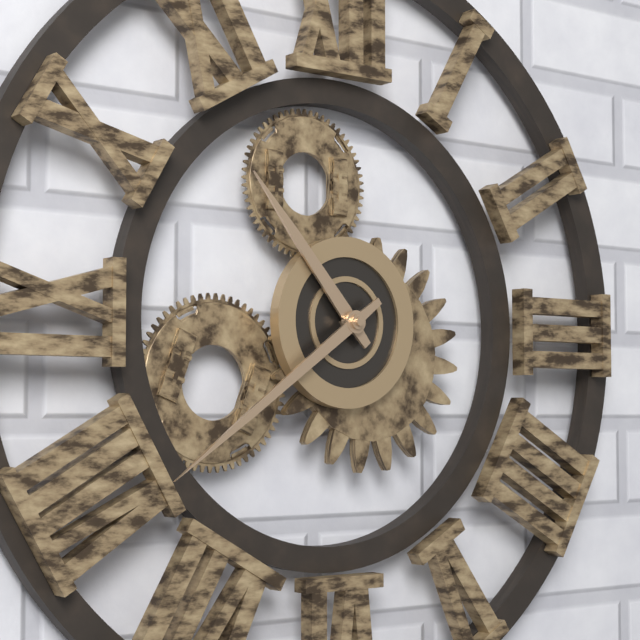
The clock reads h=10 m=39
